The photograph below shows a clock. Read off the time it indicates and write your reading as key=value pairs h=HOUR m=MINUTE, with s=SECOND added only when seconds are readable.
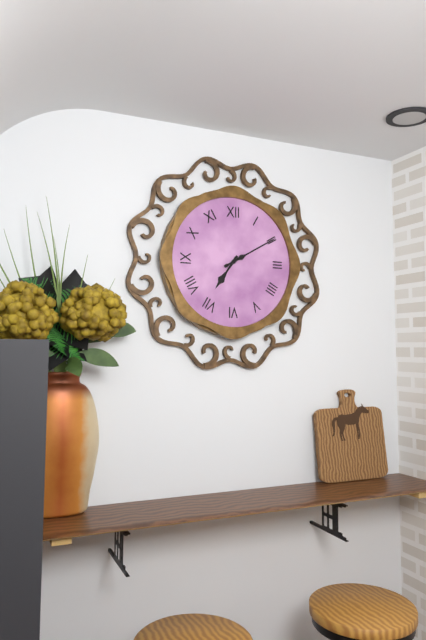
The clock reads h=7 m=10
